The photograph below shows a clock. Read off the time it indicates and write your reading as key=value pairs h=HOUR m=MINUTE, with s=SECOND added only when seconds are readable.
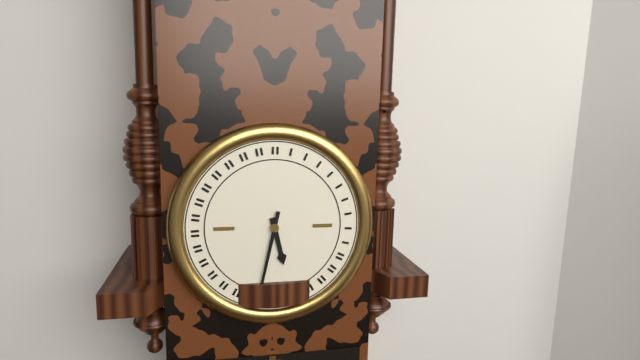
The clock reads h=5 m=32
